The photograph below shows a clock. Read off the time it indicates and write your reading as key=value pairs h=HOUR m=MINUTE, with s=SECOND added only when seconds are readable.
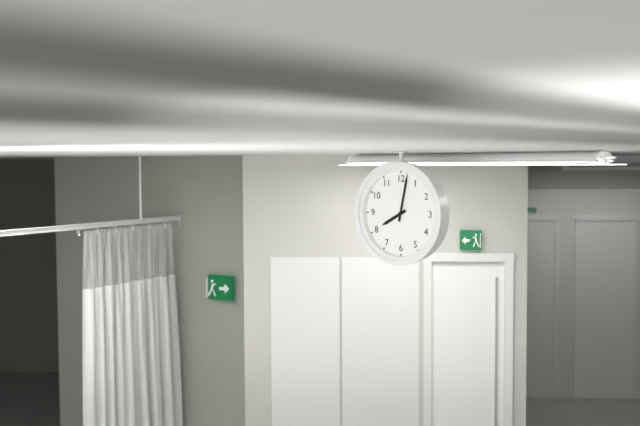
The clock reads h=8 m=2
